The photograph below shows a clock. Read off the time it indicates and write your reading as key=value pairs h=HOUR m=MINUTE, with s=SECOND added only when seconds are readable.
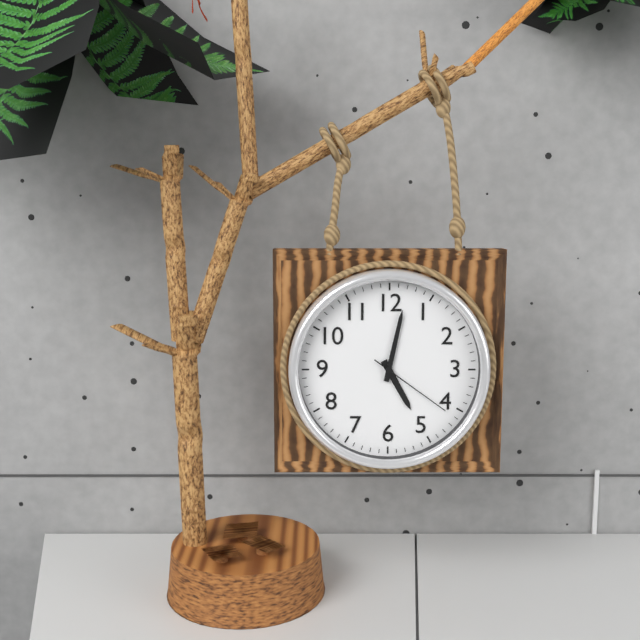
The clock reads h=5 m=2 s=21
